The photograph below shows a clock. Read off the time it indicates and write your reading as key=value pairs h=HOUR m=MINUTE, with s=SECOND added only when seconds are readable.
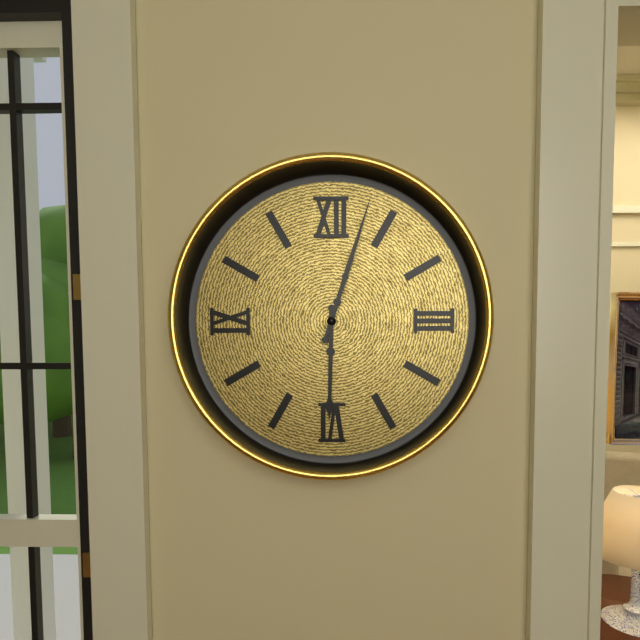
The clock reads h=6 m=3
